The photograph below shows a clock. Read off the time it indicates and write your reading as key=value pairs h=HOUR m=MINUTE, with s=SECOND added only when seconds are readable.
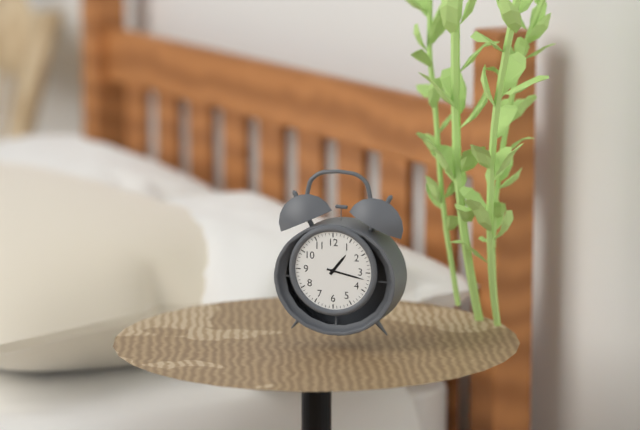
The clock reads h=1 m=17
